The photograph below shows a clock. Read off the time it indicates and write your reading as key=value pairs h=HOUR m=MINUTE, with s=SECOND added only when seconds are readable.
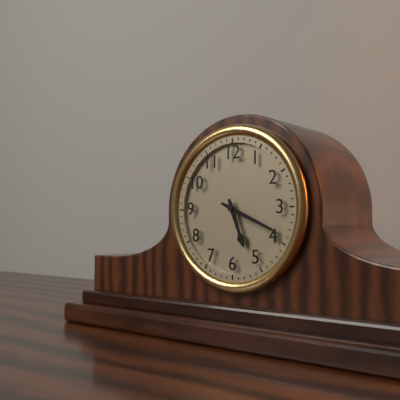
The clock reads h=5 m=19
